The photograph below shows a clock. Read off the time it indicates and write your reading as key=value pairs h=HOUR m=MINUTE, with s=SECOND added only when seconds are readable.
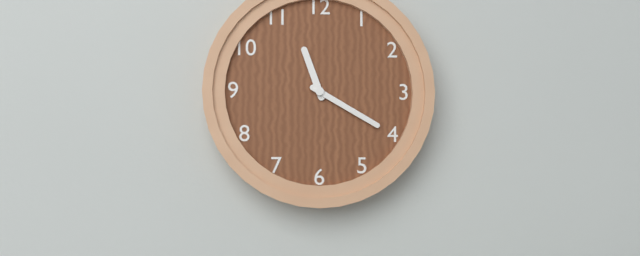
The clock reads h=11 m=20
